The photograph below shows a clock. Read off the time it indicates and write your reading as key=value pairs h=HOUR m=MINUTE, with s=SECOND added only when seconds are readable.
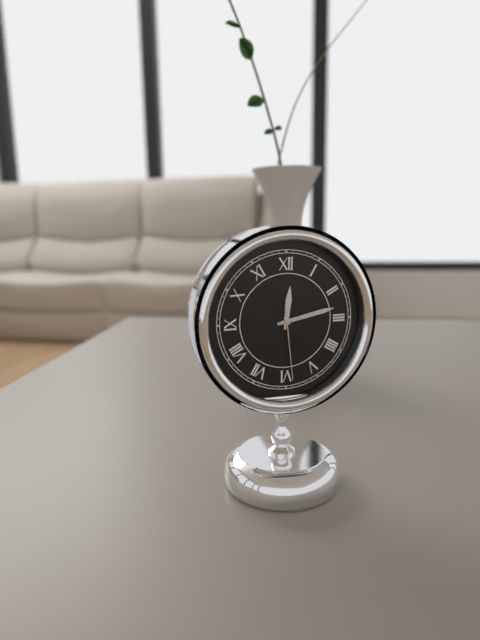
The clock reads h=12 m=13 s=29
